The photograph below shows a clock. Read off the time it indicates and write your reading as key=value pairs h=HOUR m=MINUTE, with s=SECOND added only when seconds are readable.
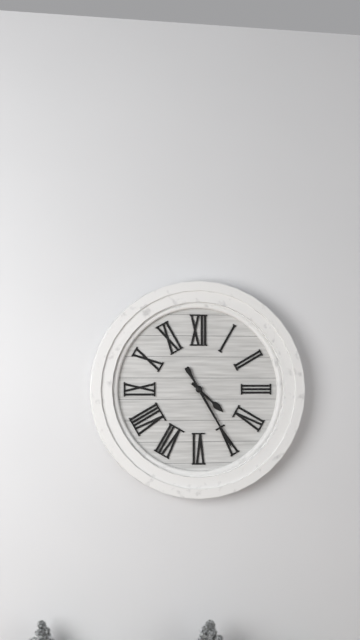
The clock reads h=4 m=25
